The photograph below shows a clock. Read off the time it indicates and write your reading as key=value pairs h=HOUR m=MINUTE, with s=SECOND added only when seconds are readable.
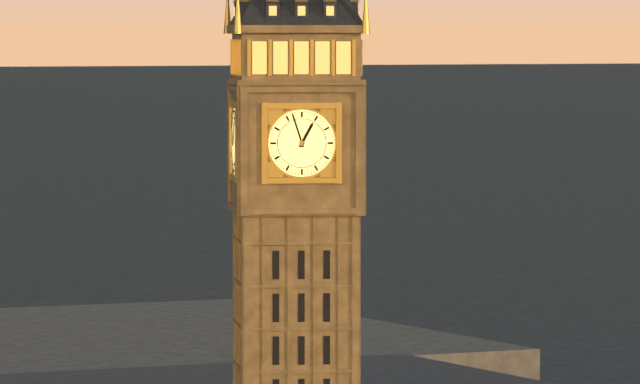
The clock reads h=12 m=57
